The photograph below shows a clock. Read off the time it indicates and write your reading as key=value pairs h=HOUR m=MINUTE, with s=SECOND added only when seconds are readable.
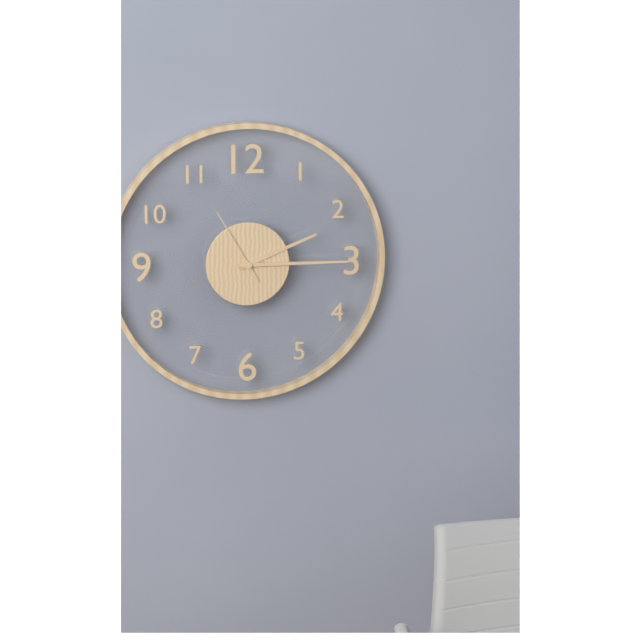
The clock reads h=2 m=15 s=55
